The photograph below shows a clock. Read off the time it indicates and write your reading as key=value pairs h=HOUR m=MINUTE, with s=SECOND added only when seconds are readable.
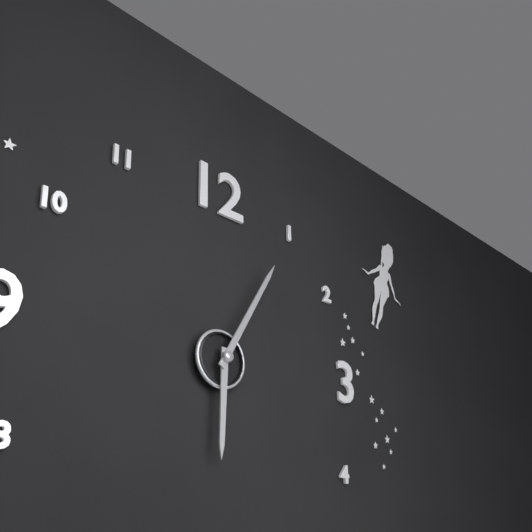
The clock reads h=6 m=5
